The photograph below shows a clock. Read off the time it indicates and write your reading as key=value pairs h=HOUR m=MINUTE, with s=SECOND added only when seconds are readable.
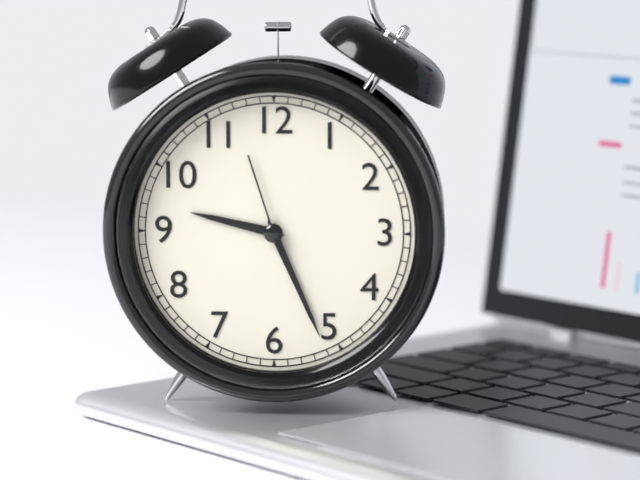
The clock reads h=9 m=26 s=57
